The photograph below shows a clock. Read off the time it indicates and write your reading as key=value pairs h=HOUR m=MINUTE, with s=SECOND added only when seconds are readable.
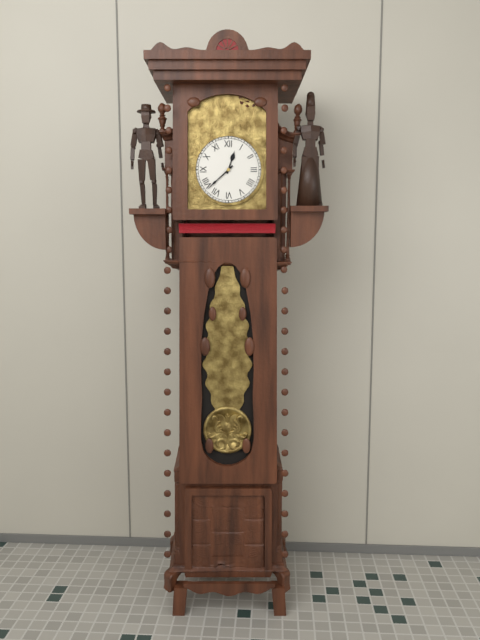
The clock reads h=12 m=38
